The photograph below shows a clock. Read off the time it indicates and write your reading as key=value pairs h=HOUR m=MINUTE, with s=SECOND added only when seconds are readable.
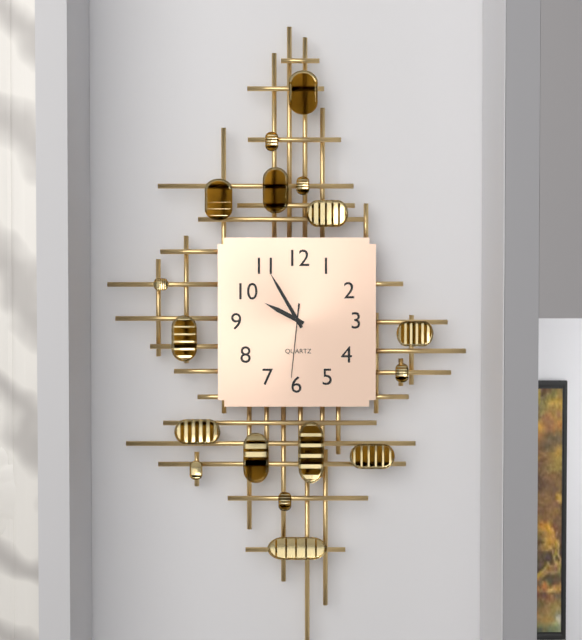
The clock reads h=9 m=55 s=31
